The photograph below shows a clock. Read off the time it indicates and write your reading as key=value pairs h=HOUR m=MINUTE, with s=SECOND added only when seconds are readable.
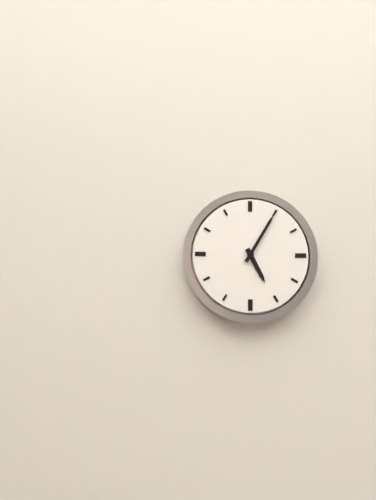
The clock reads h=5 m=5
